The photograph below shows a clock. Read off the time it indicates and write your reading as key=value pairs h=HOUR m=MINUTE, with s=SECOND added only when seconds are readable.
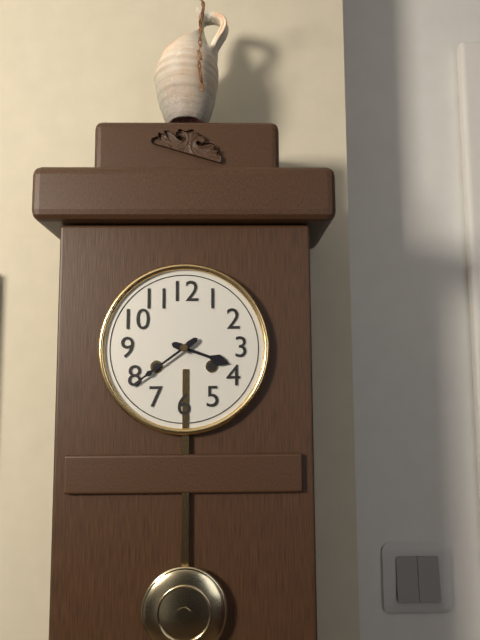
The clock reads h=3 m=39
